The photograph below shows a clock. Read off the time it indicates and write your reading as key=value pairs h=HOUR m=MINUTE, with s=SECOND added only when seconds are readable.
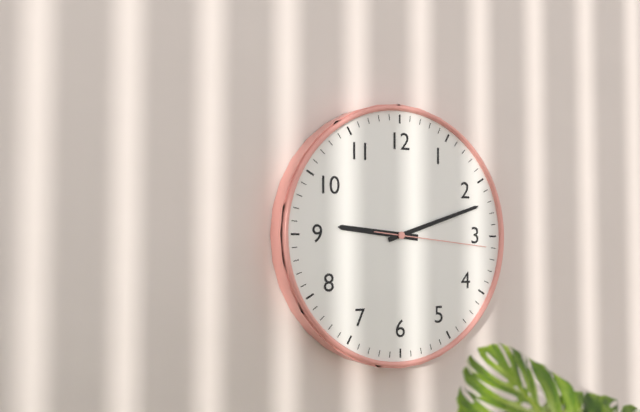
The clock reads h=9 m=12 s=16
